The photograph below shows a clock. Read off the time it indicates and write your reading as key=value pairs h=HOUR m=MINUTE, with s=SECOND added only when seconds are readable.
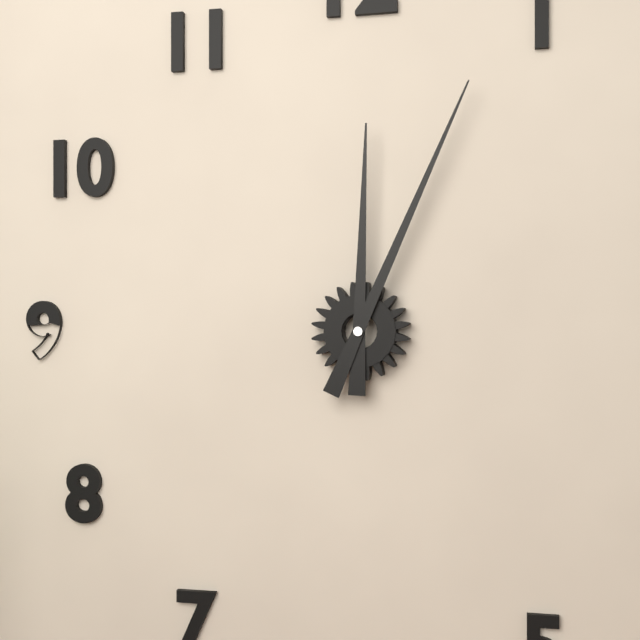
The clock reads h=12 m=4
